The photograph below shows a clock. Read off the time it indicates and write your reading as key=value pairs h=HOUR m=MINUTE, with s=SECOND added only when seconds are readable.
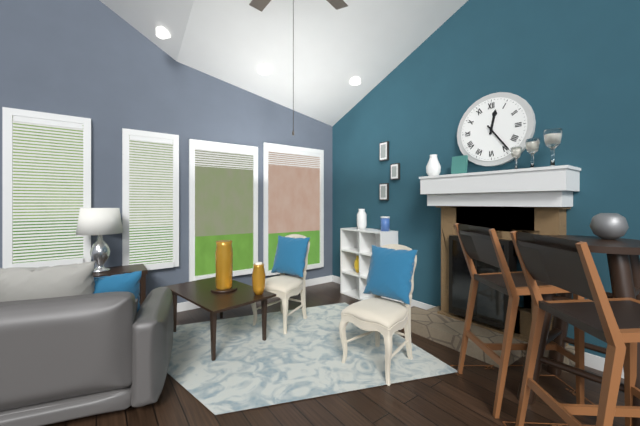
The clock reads h=12 m=24
